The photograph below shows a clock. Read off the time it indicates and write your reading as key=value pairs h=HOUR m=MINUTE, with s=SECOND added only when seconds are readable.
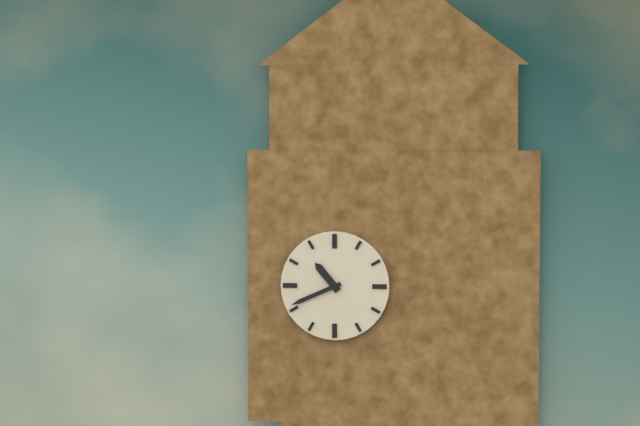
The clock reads h=10 m=41
